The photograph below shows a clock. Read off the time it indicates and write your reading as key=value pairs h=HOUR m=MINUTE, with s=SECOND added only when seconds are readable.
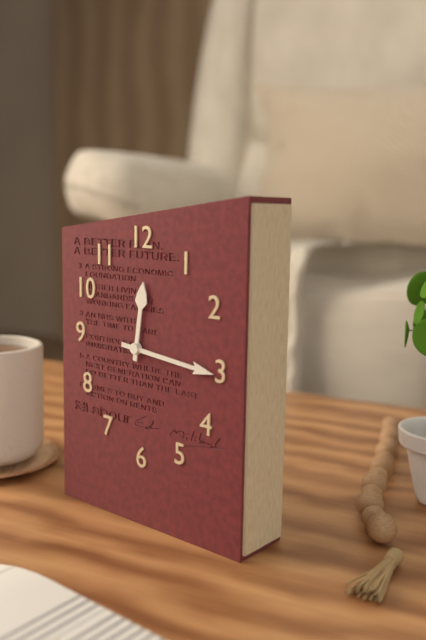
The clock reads h=12 m=16
